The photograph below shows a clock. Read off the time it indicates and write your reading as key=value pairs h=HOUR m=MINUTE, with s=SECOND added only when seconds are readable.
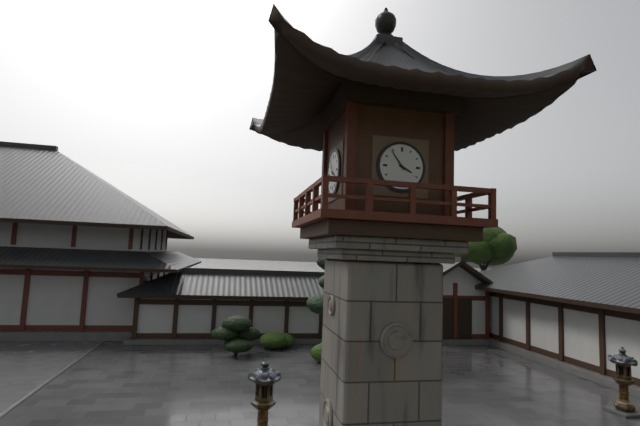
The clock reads h=3 m=54
